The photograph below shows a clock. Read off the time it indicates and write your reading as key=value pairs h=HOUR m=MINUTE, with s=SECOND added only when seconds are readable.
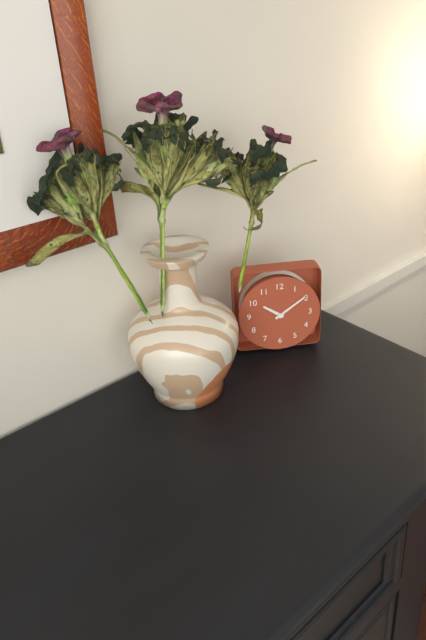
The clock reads h=10 m=9
